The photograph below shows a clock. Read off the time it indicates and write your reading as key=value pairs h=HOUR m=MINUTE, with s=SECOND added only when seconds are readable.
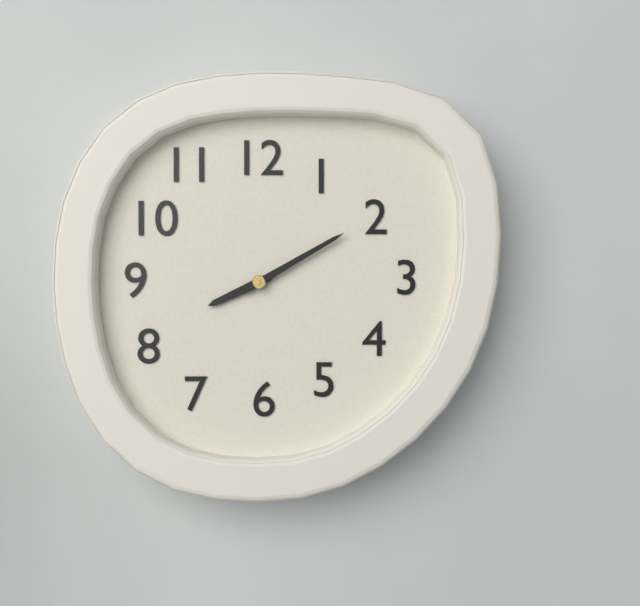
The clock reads h=8 m=10
